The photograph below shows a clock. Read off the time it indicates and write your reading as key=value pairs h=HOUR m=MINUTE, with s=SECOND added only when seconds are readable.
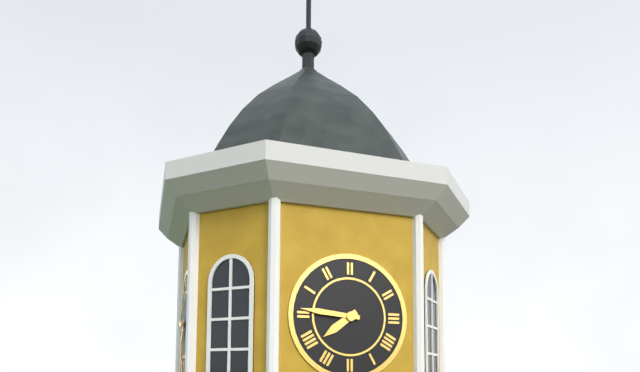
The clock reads h=7 m=46
